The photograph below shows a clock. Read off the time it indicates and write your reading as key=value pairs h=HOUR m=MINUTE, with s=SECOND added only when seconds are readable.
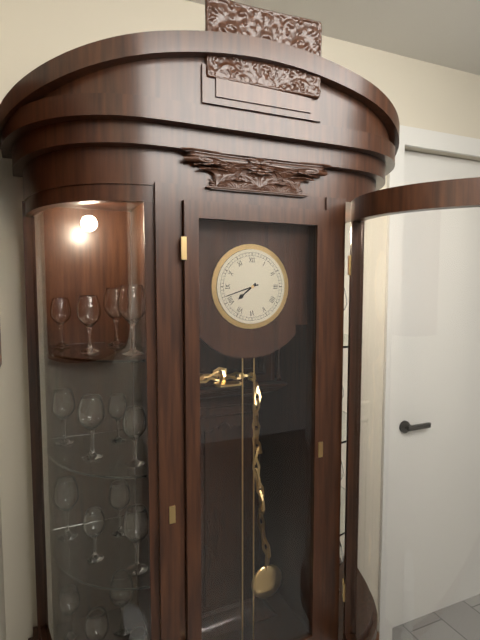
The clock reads h=7 m=42
